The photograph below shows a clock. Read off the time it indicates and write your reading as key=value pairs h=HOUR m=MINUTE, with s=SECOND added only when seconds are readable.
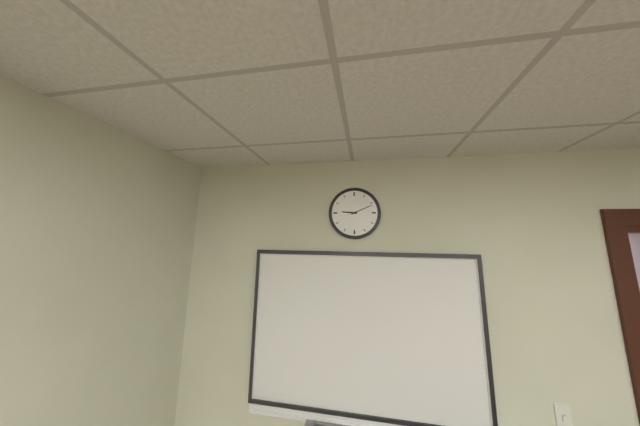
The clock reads h=9 m=11
